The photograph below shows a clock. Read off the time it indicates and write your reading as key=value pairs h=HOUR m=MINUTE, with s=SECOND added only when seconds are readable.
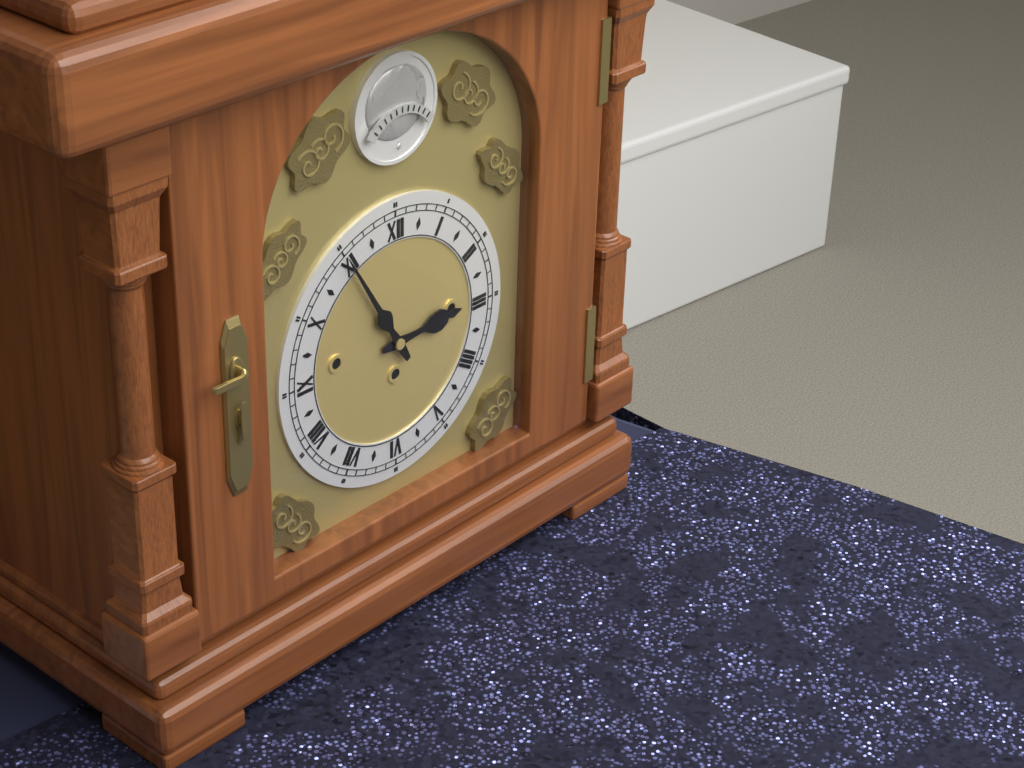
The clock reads h=2 m=55
